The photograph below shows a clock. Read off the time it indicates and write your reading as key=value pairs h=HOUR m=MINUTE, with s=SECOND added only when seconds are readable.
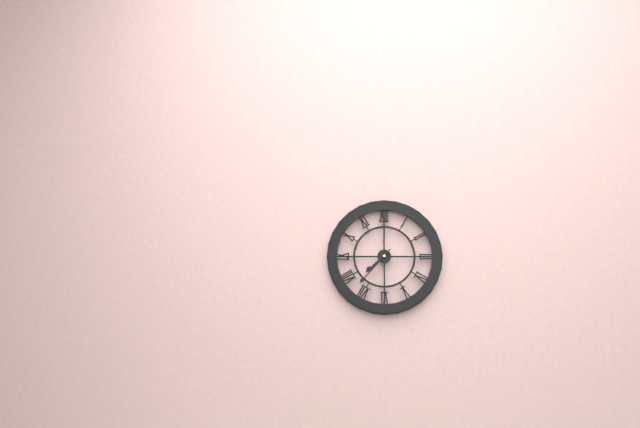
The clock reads h=7 m=37
